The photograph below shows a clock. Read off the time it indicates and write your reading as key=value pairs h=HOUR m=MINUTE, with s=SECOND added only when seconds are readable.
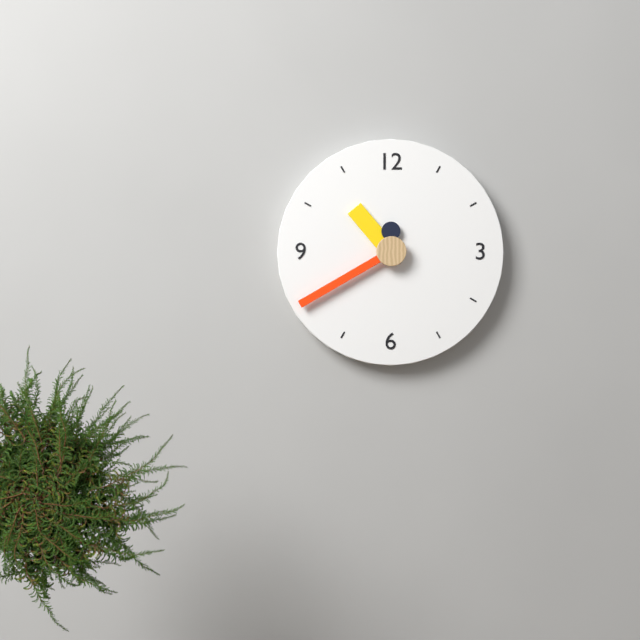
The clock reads h=10 m=40
